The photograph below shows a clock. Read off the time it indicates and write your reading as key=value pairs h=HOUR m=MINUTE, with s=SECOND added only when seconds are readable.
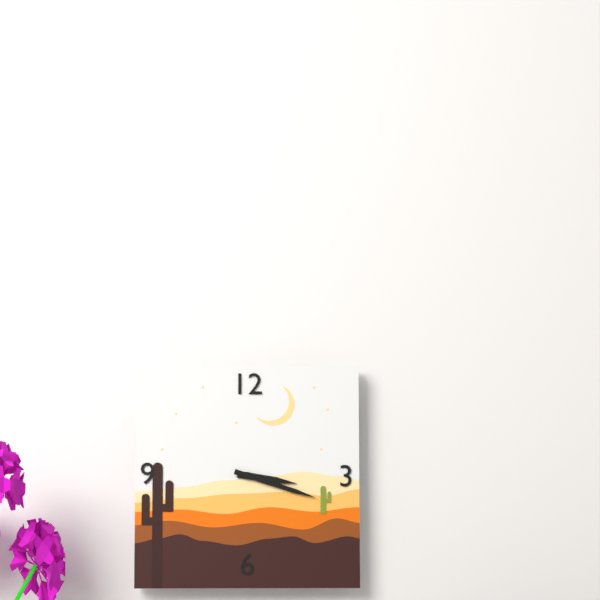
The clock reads h=3 m=18
